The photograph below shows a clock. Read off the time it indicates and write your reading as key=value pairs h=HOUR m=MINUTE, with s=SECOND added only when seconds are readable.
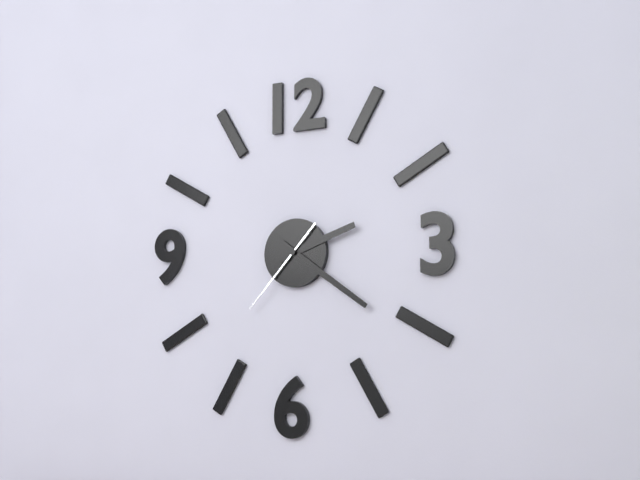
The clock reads h=2 m=21 s=37
